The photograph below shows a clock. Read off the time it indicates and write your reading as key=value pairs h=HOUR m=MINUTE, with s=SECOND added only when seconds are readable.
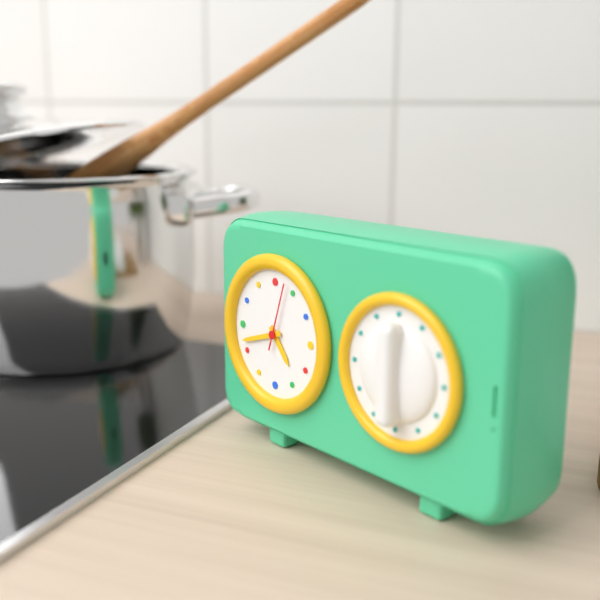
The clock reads h=4 m=42 s=3
